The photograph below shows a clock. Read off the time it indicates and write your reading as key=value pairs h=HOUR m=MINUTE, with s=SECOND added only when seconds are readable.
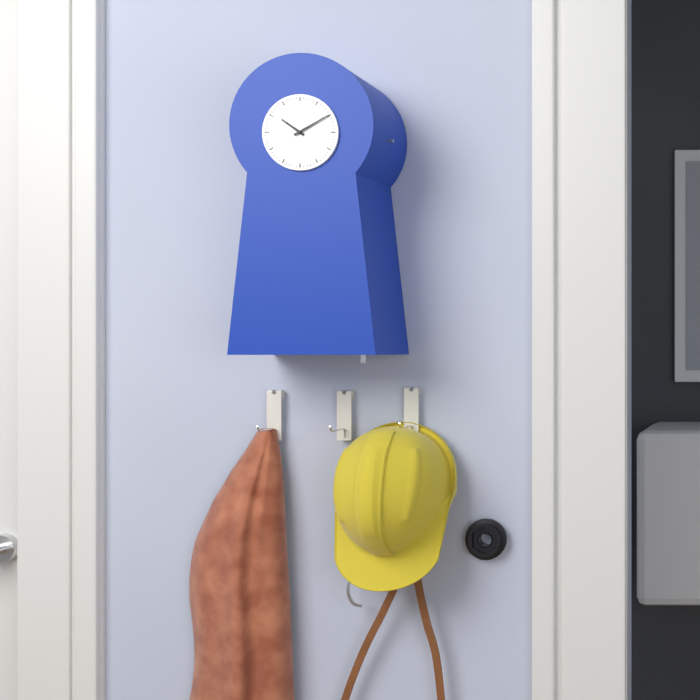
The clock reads h=10 m=10
